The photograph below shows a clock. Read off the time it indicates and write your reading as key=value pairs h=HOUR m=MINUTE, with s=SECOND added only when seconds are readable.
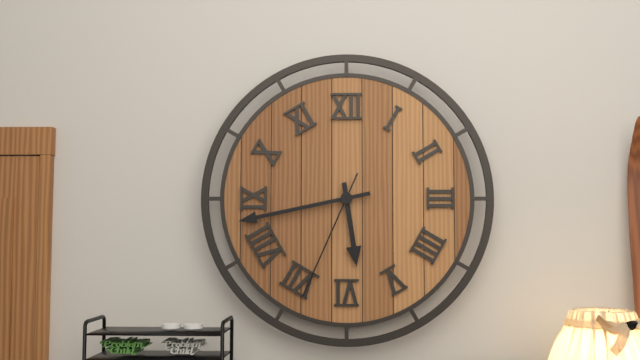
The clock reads h=5 m=43 s=34
